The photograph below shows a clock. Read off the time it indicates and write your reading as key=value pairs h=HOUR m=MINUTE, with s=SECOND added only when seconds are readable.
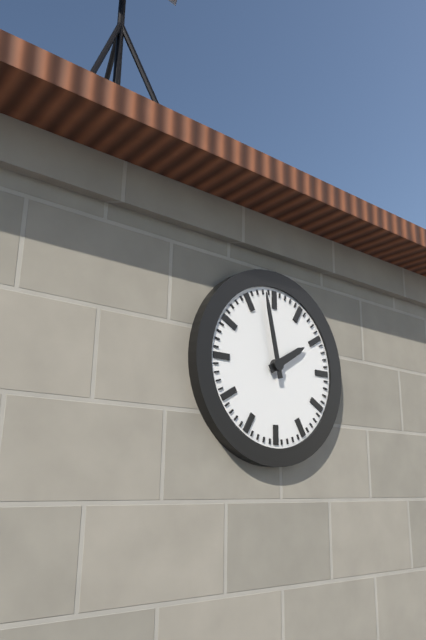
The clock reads h=1 m=58
